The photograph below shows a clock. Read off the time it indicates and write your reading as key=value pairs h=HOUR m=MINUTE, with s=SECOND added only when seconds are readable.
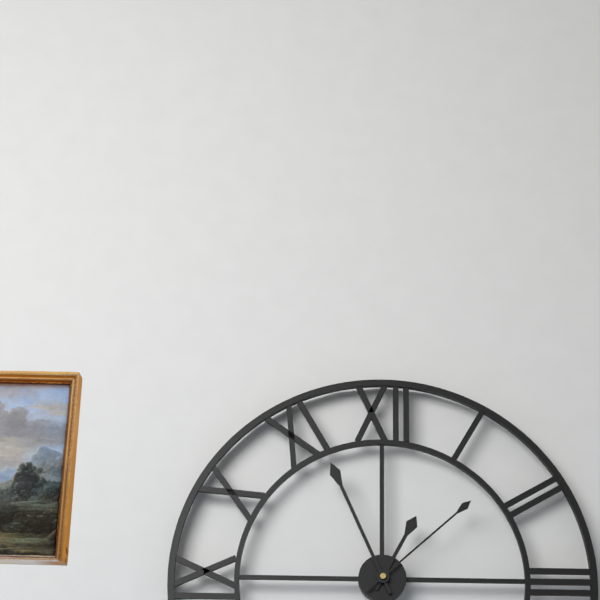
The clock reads h=12 m=56 s=8
